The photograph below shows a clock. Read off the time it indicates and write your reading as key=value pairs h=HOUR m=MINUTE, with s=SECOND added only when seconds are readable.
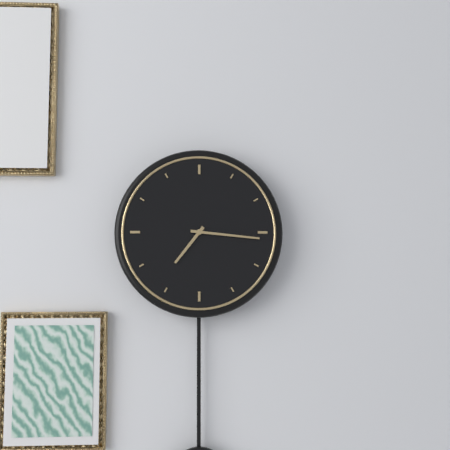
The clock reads h=7 m=16
